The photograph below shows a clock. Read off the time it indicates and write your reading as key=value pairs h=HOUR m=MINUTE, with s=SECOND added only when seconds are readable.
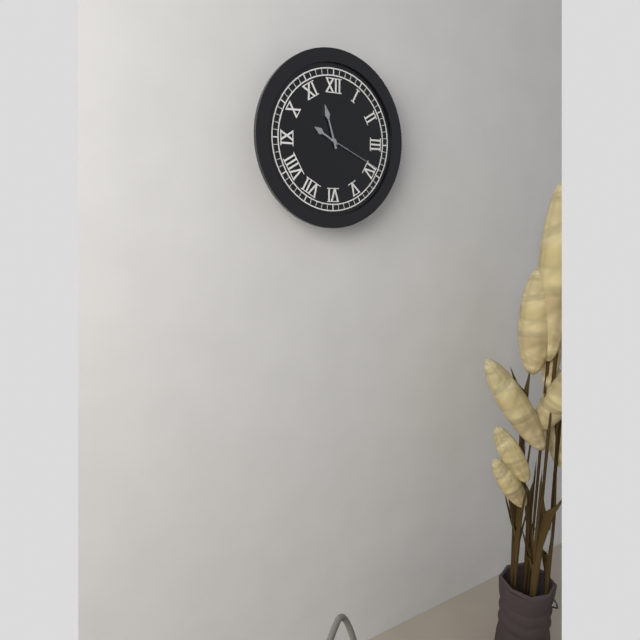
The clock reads h=9 m=57 s=19
